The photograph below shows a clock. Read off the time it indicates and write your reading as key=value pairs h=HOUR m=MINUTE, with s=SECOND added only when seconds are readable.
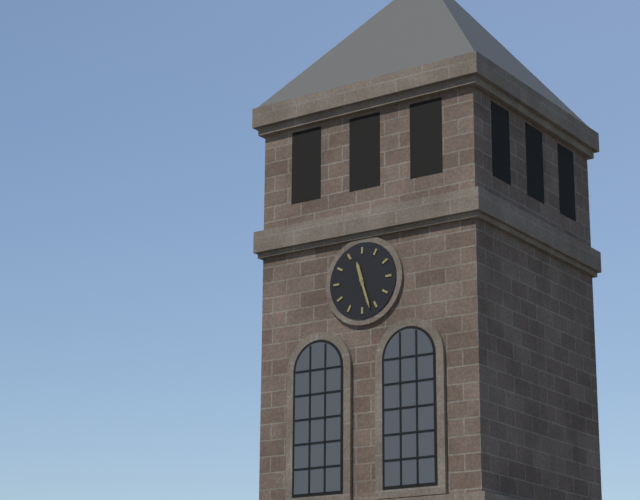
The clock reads h=11 m=27
